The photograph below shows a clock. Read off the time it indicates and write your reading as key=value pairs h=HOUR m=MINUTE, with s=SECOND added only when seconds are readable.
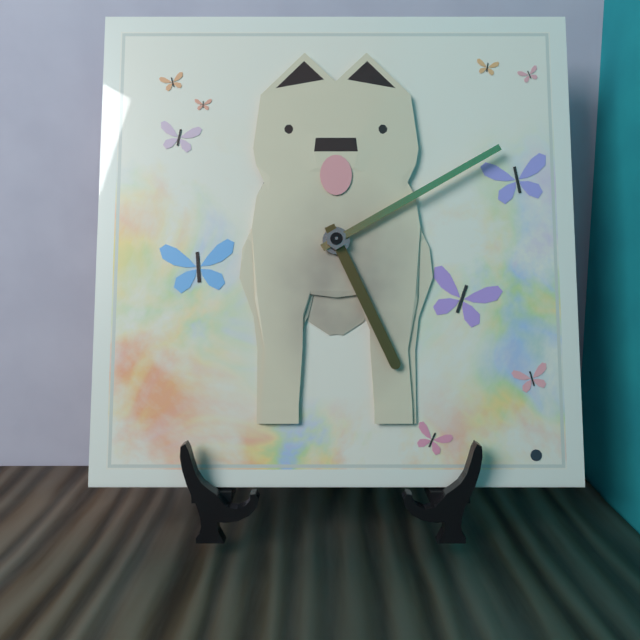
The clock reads h=5 m=10
